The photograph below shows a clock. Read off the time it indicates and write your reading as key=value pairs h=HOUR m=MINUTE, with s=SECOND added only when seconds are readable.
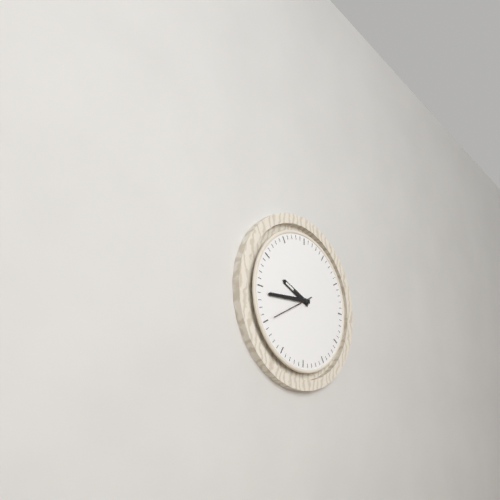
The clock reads h=9 m=44
